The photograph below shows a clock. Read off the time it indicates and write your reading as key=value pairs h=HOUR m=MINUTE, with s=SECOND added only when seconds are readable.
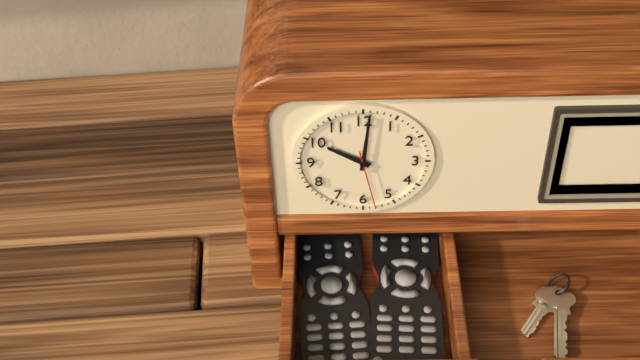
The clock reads h=10 m=1 s=28
